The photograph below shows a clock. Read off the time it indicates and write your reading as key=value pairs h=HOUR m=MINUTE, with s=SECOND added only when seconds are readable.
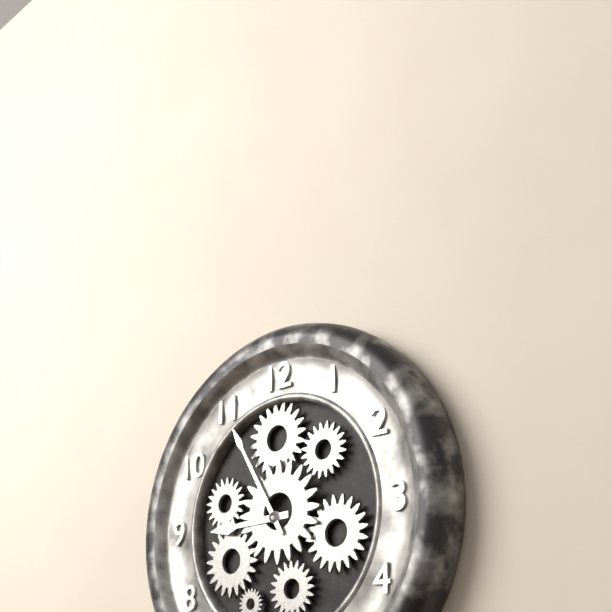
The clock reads h=8 m=55
